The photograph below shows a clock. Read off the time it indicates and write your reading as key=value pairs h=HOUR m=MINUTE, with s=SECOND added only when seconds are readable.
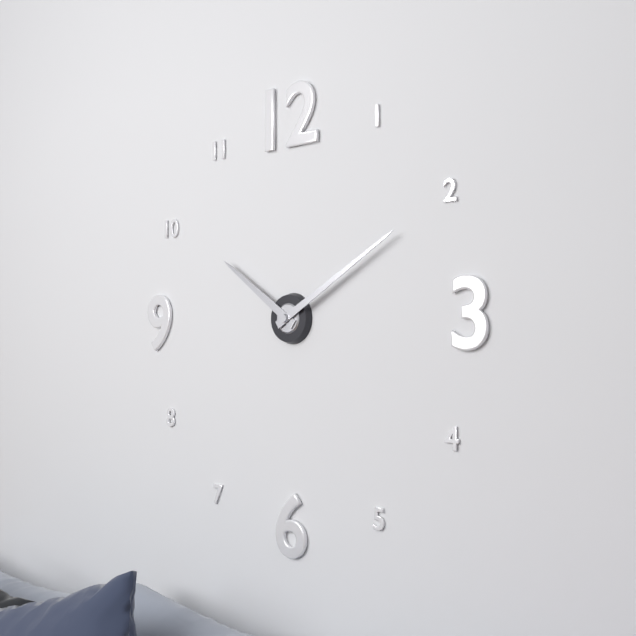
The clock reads h=10 m=10
